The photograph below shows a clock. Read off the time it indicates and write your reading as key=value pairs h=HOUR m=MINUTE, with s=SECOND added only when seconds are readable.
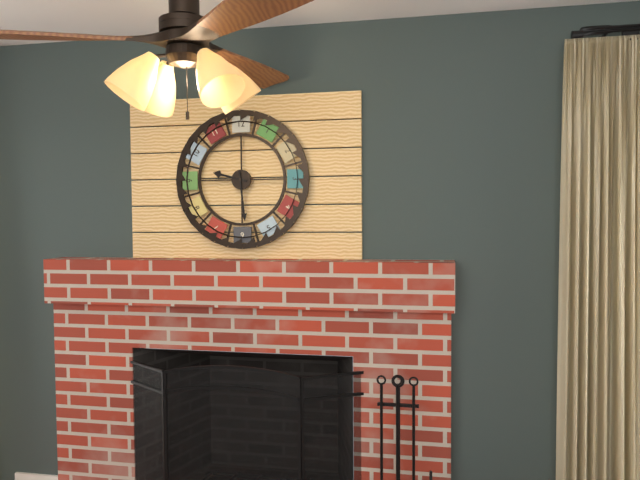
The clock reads h=9 m=29
